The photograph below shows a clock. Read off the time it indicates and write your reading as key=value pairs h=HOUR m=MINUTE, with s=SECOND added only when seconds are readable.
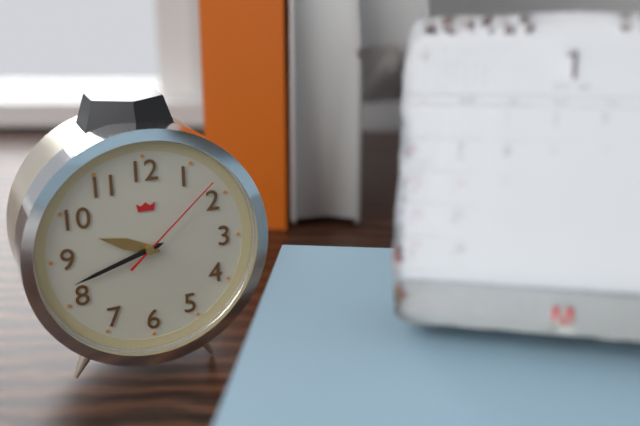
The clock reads h=9 m=42 s=8
